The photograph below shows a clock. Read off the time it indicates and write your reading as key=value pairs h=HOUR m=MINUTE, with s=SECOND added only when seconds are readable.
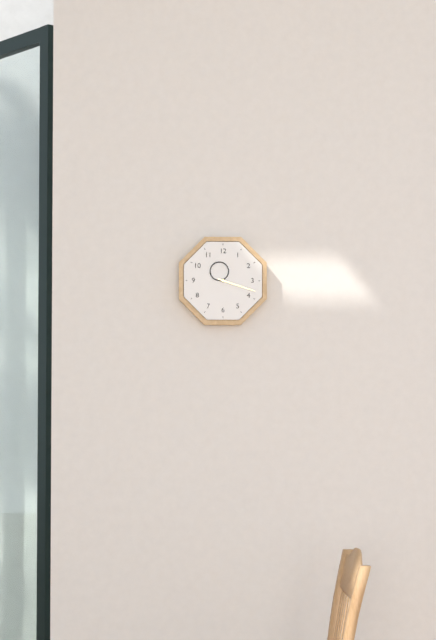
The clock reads h=11 m=18
